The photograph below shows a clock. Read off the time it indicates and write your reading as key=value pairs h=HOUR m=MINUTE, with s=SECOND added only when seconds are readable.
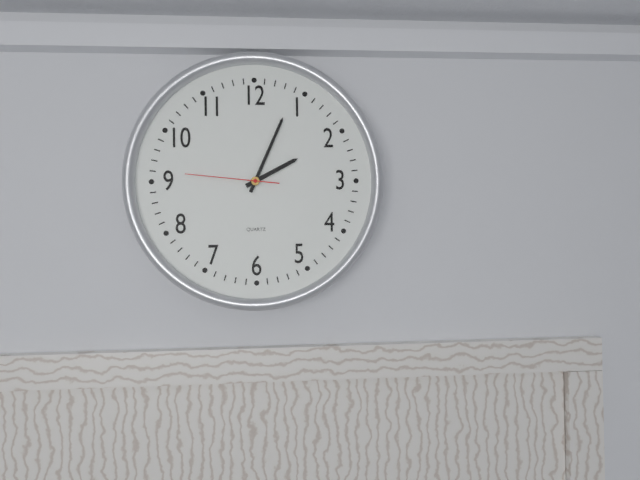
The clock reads h=2 m=4 s=46
